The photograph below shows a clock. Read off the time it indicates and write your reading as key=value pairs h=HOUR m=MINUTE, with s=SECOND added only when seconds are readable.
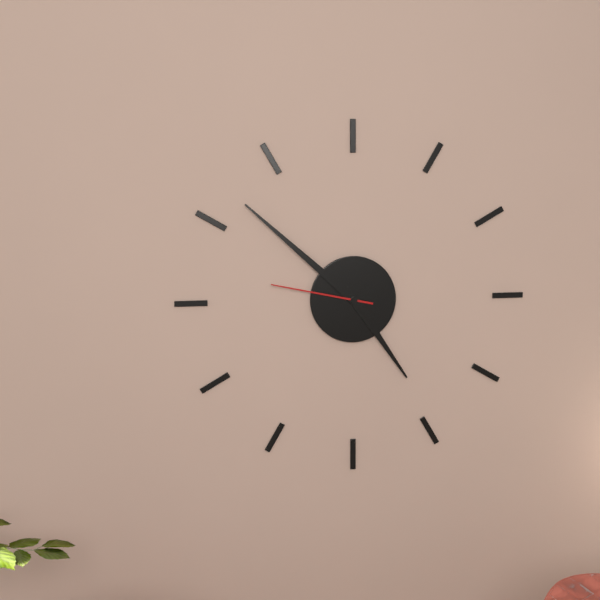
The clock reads h=4 m=52 s=47
